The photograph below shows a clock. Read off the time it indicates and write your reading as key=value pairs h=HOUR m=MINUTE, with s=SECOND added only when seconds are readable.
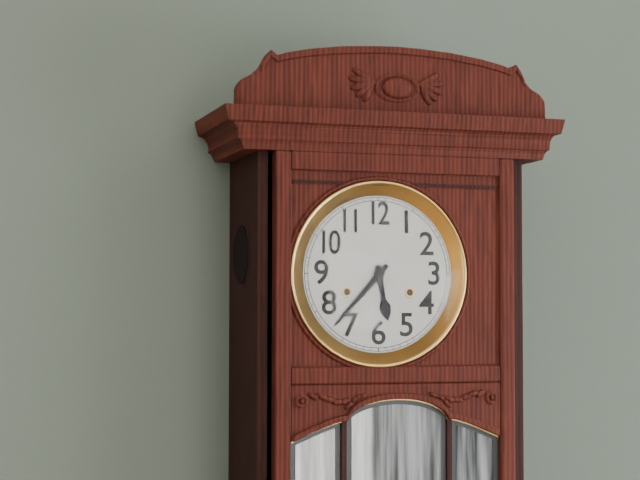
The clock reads h=5 m=37
